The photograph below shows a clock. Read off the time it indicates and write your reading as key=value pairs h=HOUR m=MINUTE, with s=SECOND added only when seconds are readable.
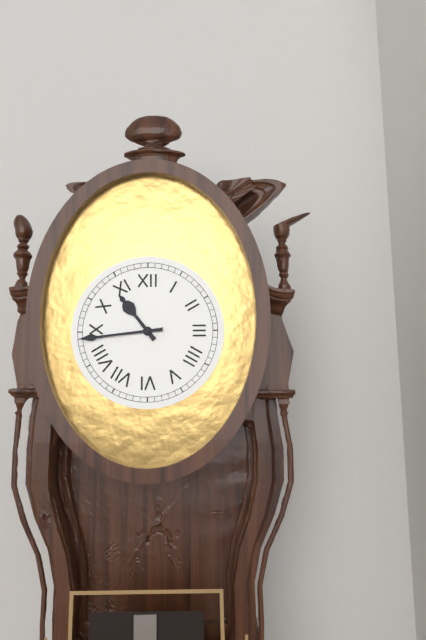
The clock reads h=10 m=44
